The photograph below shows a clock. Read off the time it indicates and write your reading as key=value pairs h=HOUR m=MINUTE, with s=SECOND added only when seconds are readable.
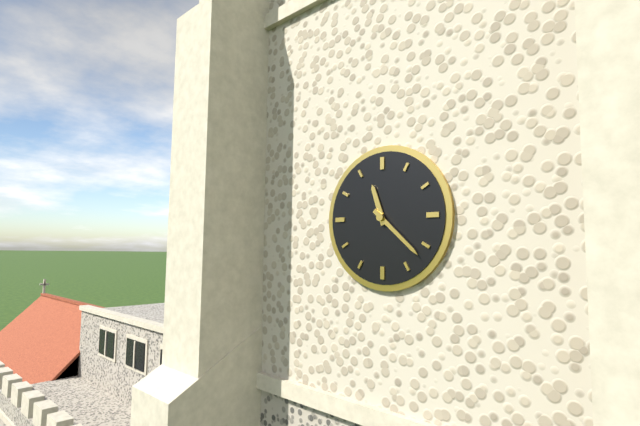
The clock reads h=11 m=22
